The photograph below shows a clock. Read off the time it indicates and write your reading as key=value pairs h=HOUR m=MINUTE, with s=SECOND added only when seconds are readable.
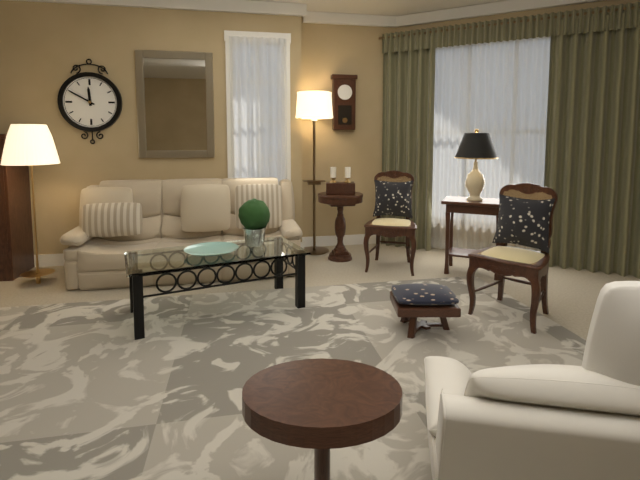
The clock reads h=11 m=50
